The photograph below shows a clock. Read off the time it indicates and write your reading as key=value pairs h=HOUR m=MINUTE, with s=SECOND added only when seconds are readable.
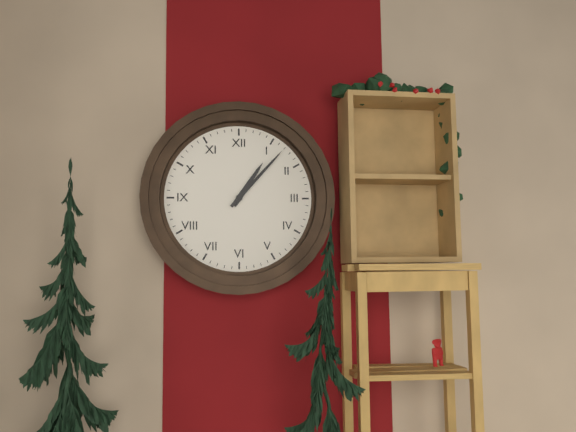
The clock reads h=1 m=7
